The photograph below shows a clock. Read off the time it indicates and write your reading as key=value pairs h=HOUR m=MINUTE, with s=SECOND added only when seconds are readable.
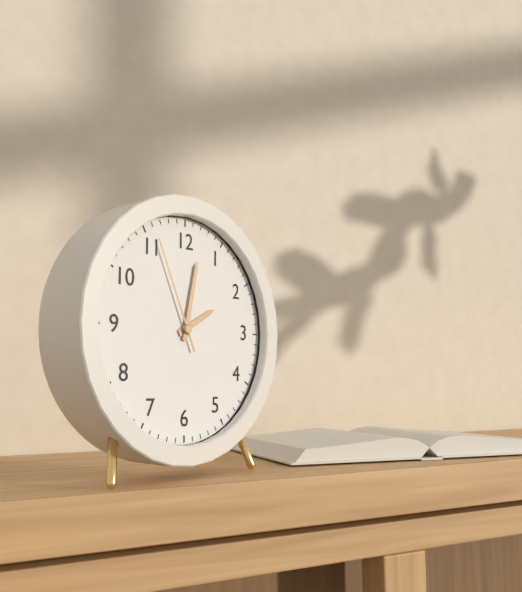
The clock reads h=2 m=2 s=56
